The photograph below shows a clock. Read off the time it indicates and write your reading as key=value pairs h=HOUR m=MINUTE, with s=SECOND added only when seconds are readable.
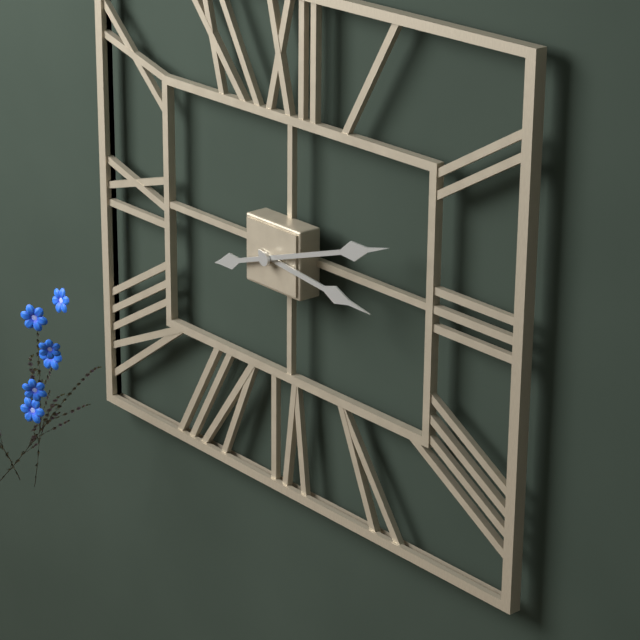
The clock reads h=3 m=12
